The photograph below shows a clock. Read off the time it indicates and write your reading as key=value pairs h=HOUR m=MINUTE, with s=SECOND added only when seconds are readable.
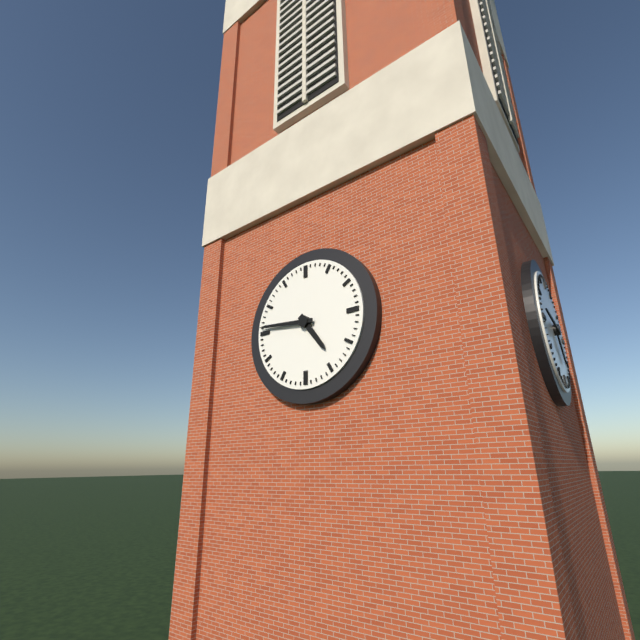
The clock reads h=4 m=46
